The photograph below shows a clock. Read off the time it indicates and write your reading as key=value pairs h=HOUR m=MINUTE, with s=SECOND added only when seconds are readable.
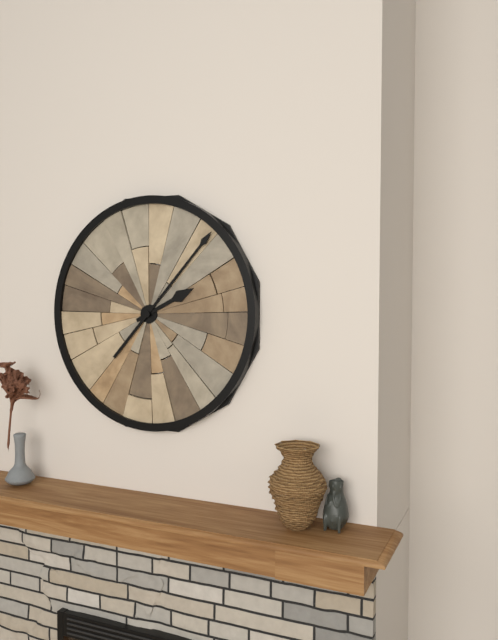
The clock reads h=2 m=7
